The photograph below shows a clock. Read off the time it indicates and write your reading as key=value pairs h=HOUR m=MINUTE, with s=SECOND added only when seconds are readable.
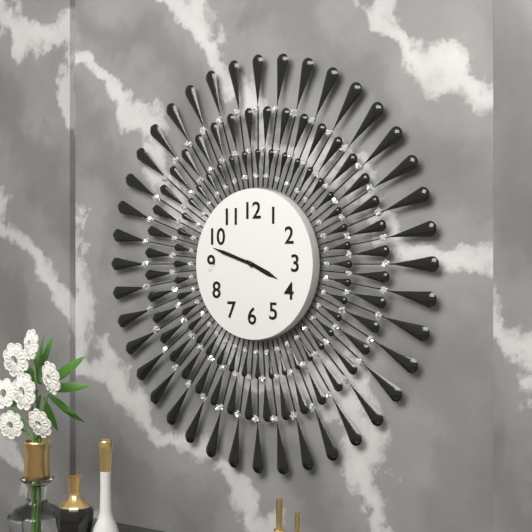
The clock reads h=3 m=48
